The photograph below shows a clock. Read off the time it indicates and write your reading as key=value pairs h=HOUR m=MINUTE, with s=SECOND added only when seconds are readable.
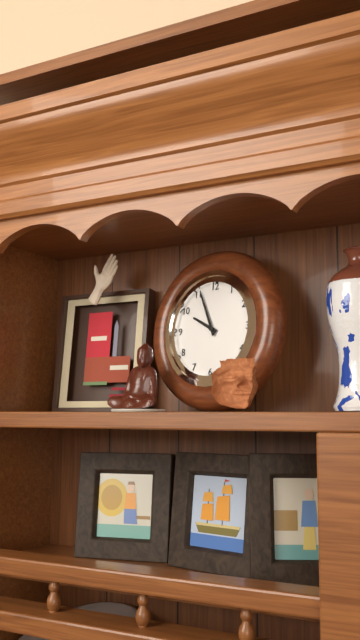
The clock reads h=9 m=56
